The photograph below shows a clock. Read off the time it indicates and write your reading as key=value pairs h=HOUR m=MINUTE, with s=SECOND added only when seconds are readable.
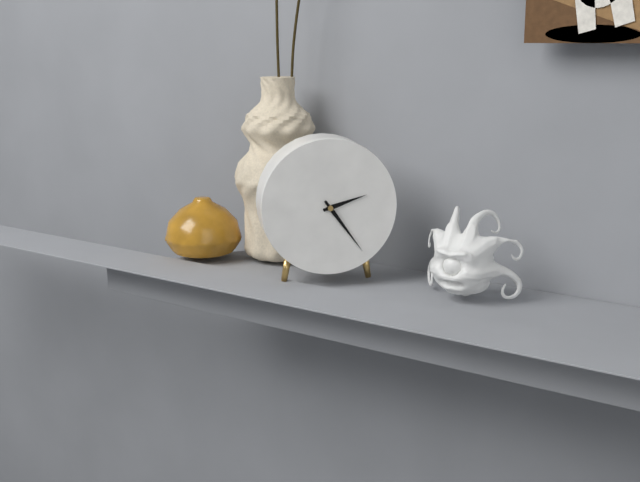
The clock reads h=2 m=24
